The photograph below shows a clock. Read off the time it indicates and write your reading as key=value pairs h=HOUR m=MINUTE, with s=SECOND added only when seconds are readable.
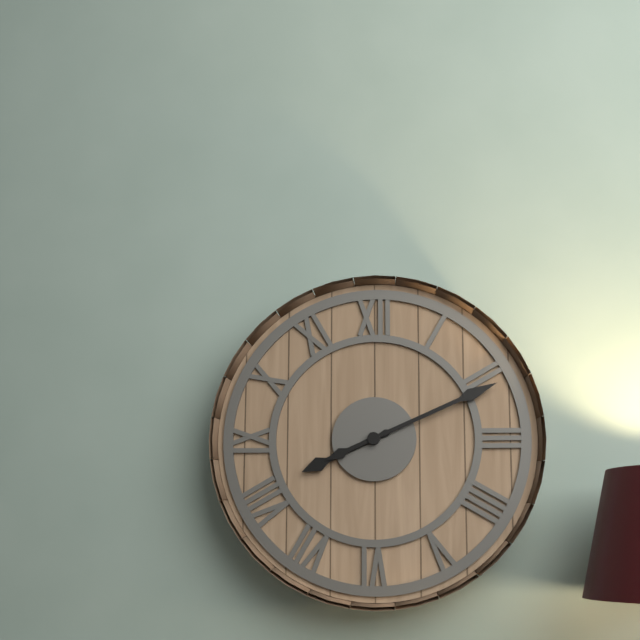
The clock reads h=8 m=11
